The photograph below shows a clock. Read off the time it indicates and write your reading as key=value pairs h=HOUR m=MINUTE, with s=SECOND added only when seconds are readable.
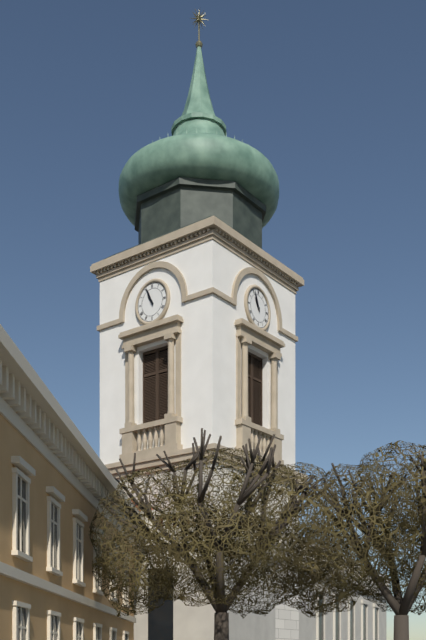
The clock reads h=10 m=56
